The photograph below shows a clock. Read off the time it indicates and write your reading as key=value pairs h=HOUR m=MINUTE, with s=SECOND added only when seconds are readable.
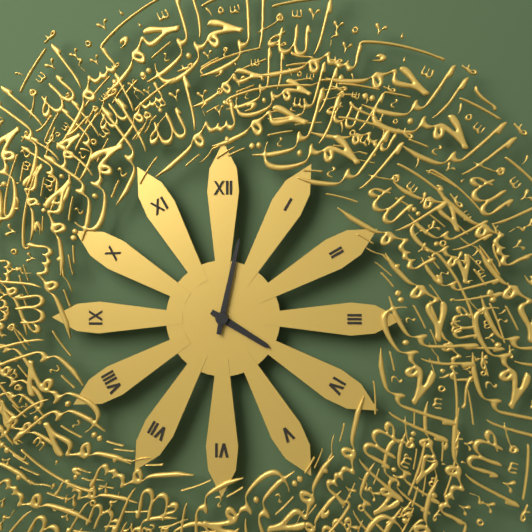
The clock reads h=4 m=2
